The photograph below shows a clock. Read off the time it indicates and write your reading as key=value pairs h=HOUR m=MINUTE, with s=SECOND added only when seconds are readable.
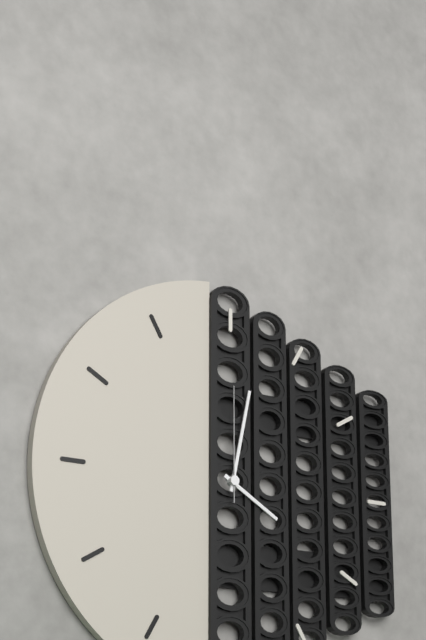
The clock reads h=4 m=2 s=0
